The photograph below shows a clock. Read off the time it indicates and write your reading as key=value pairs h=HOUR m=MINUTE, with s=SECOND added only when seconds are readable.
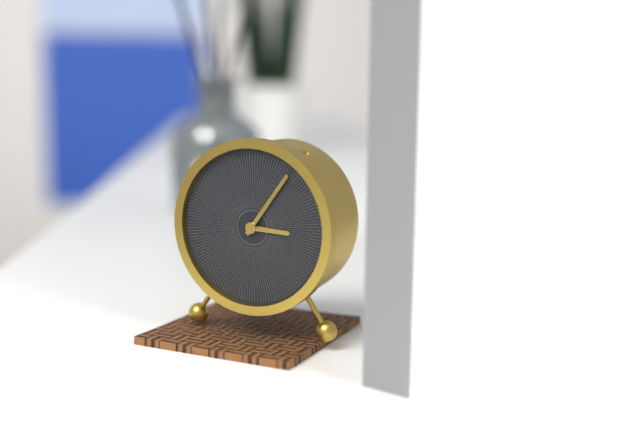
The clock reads h=3 m=6
